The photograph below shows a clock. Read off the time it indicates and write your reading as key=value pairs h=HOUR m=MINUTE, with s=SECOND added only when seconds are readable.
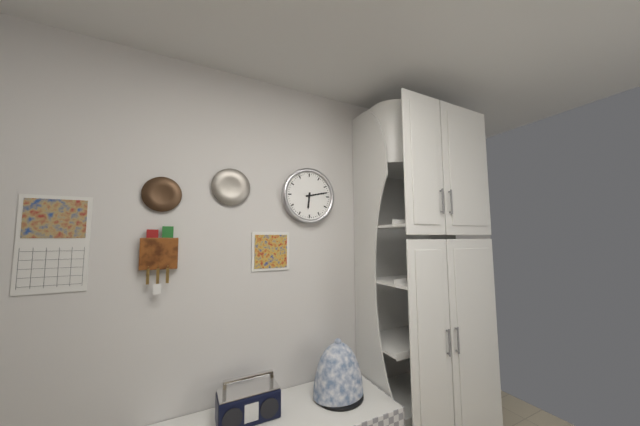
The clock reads h=6 m=13
